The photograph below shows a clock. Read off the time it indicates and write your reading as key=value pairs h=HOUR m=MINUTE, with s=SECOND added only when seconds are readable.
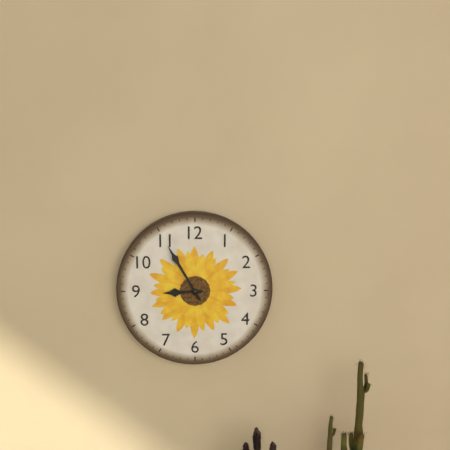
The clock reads h=8 m=55
